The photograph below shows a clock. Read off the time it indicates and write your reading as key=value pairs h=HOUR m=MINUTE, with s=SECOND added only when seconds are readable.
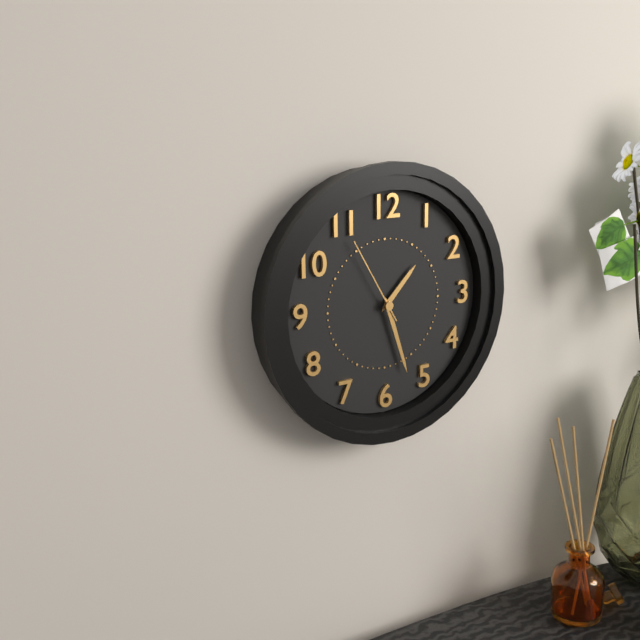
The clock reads h=1 m=27 s=55
